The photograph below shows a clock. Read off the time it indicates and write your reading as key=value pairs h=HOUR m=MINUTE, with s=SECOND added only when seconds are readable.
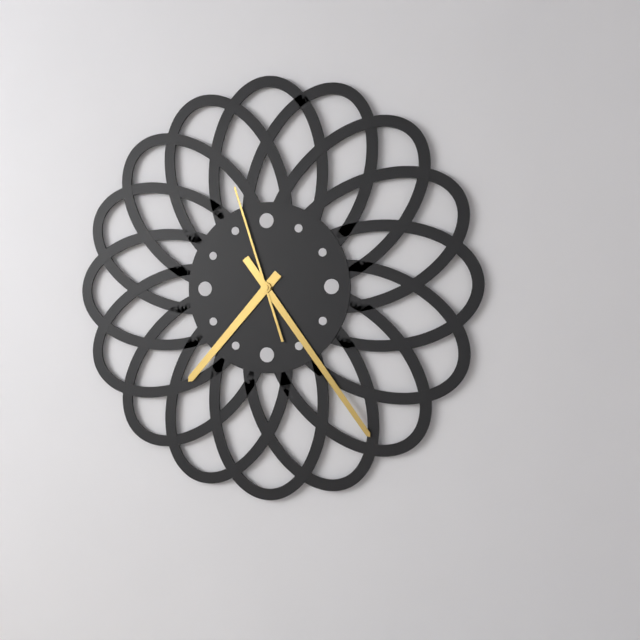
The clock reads h=7 m=24 s=57
